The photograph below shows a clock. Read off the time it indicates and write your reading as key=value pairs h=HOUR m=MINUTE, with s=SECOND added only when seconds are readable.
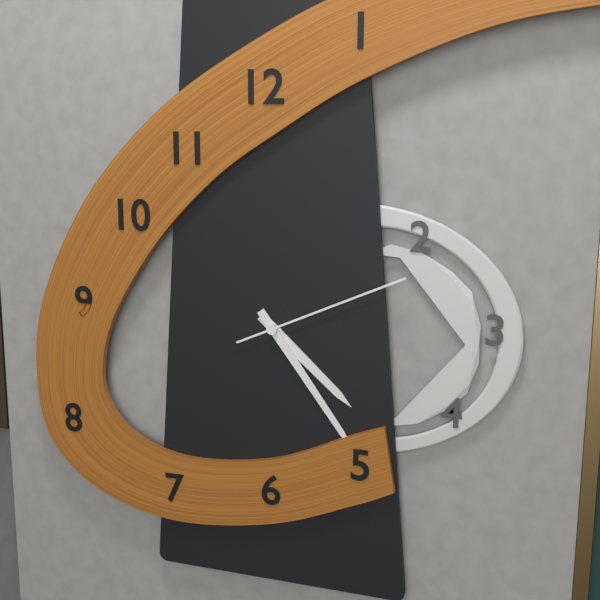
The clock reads h=4 m=24 s=11
